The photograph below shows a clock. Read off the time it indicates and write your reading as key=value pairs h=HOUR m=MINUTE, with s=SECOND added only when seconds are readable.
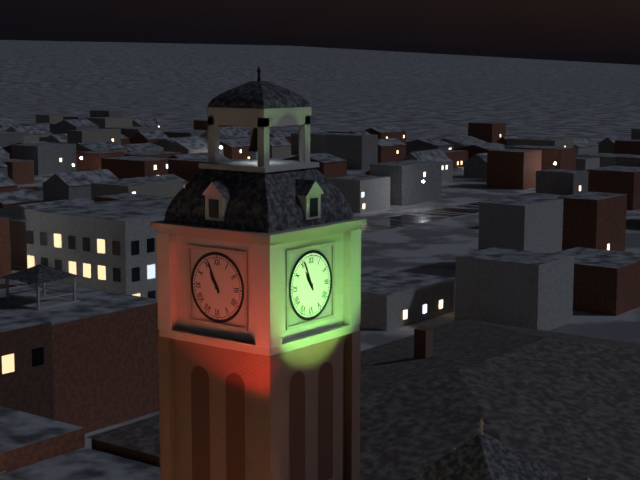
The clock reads h=10 m=56
